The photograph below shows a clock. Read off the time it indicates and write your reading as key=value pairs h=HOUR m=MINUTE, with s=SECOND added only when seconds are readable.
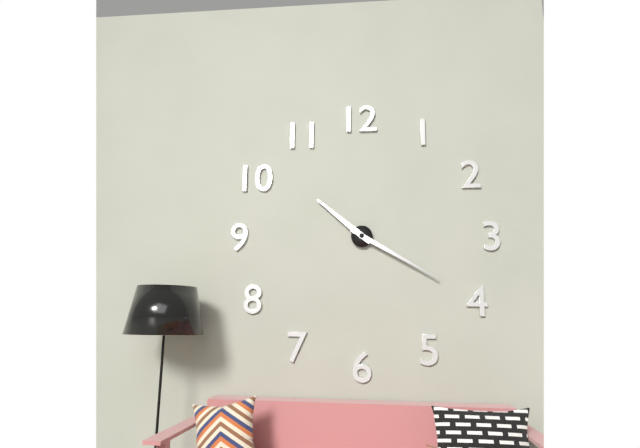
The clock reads h=10 m=20
